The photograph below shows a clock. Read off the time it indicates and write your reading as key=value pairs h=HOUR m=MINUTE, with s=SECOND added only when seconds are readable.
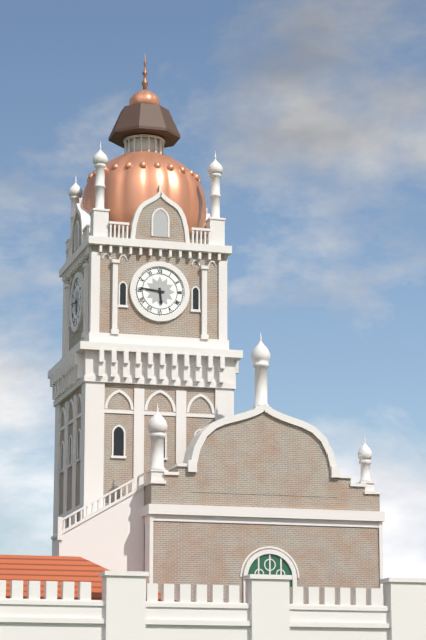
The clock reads h=5 m=46
